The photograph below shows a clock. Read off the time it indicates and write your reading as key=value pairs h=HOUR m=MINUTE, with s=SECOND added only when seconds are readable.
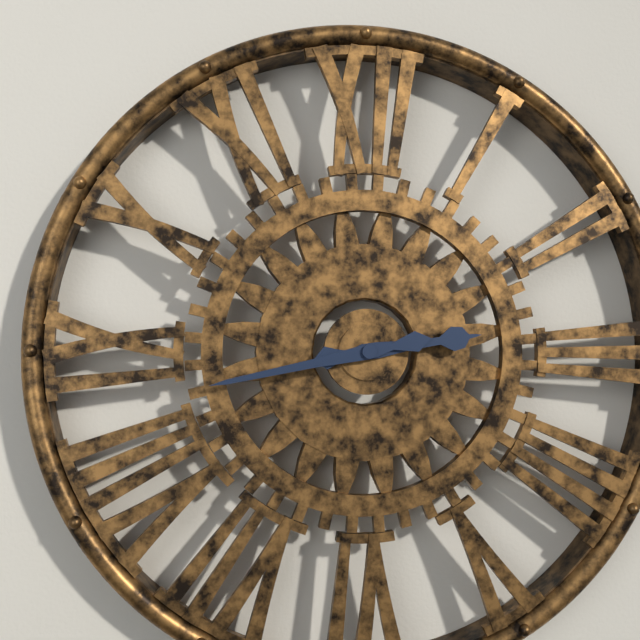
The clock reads h=2 m=43
